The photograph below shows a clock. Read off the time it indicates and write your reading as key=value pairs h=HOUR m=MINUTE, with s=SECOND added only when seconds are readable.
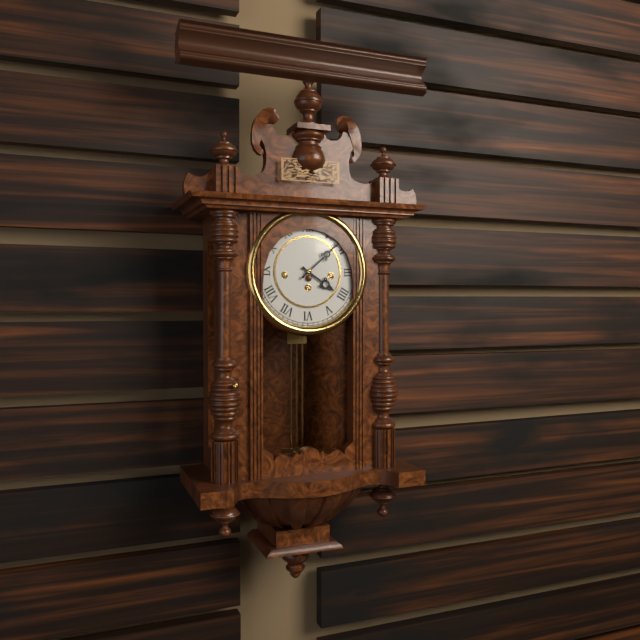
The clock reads h=4 m=8
